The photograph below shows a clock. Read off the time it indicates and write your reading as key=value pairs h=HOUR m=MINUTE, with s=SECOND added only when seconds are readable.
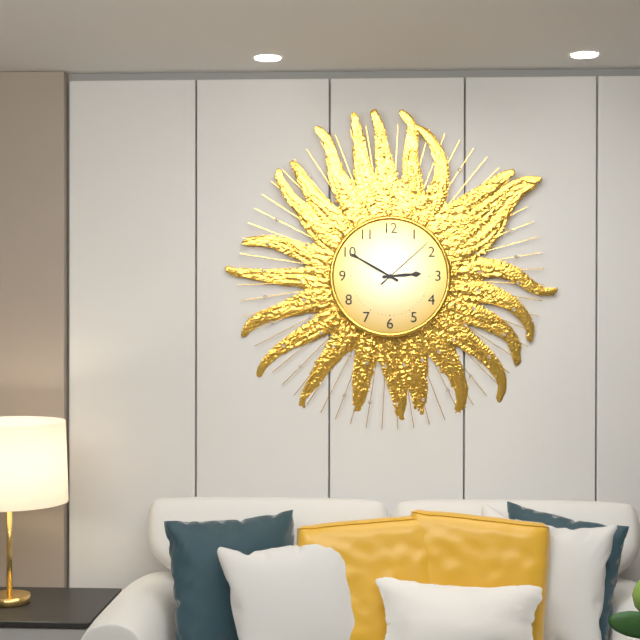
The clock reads h=2 m=50 s=8
